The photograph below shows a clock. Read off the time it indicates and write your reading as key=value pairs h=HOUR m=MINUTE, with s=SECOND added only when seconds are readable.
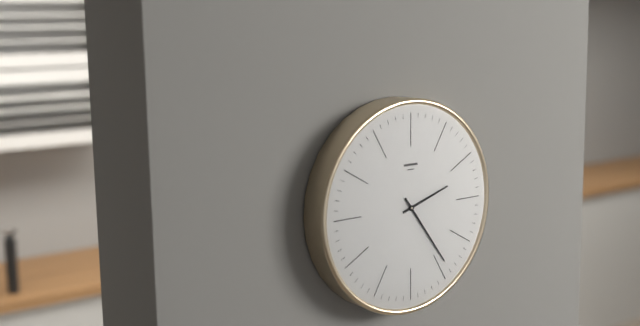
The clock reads h=2 m=24
